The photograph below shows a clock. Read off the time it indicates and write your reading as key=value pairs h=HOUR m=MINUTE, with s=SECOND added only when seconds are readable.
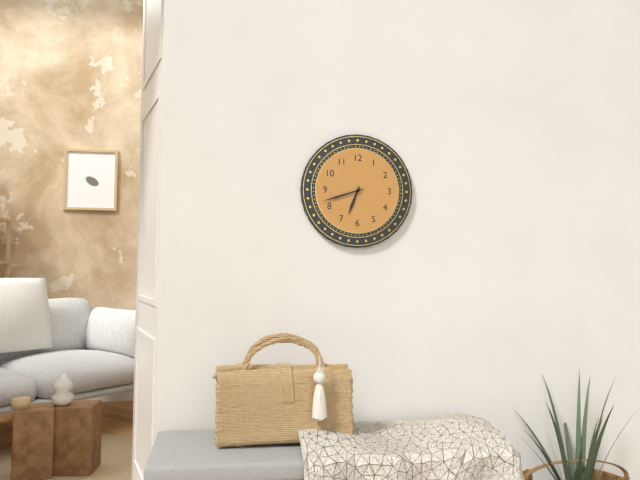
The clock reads h=6 m=42
